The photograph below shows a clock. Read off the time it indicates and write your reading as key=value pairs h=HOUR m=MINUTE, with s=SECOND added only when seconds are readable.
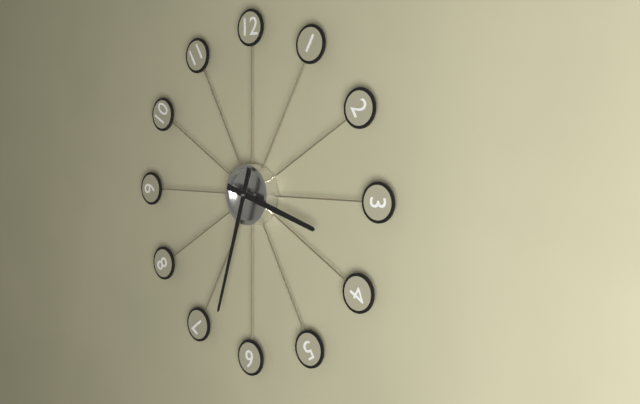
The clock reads h=3 m=33
